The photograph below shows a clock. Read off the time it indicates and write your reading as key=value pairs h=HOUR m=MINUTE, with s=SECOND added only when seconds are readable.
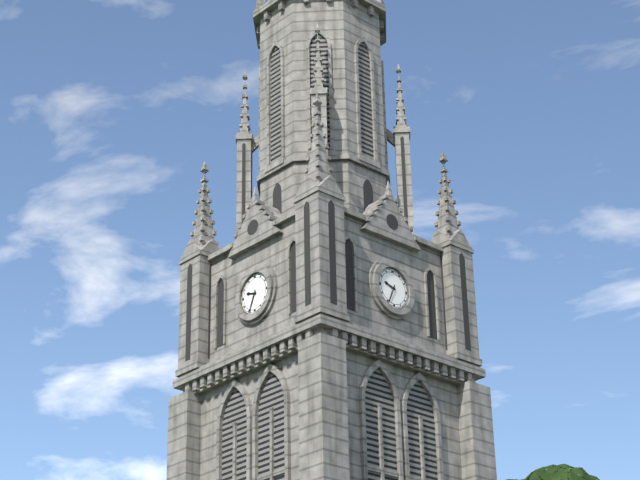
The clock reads h=9 m=34
